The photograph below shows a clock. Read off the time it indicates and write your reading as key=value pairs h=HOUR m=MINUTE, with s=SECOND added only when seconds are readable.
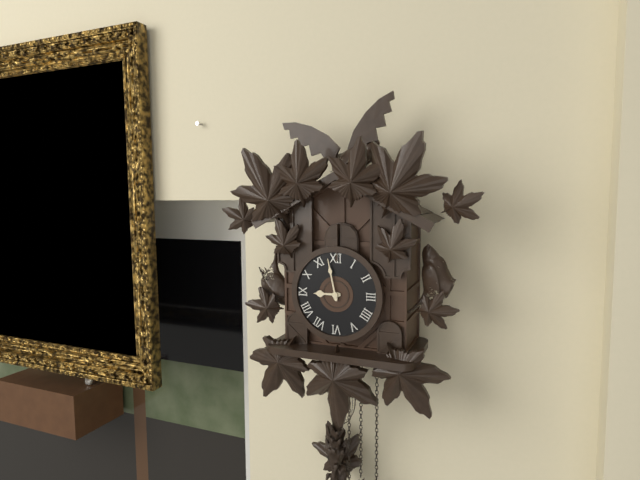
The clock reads h=8 m=58
